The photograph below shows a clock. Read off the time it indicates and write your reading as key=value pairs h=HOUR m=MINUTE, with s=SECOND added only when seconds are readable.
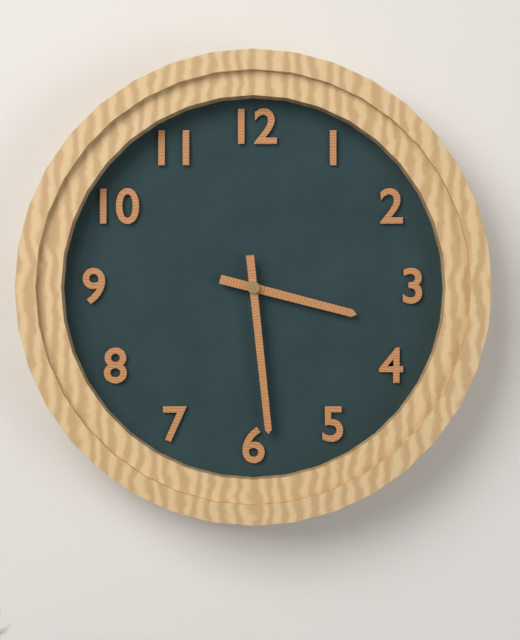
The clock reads h=3 m=29
